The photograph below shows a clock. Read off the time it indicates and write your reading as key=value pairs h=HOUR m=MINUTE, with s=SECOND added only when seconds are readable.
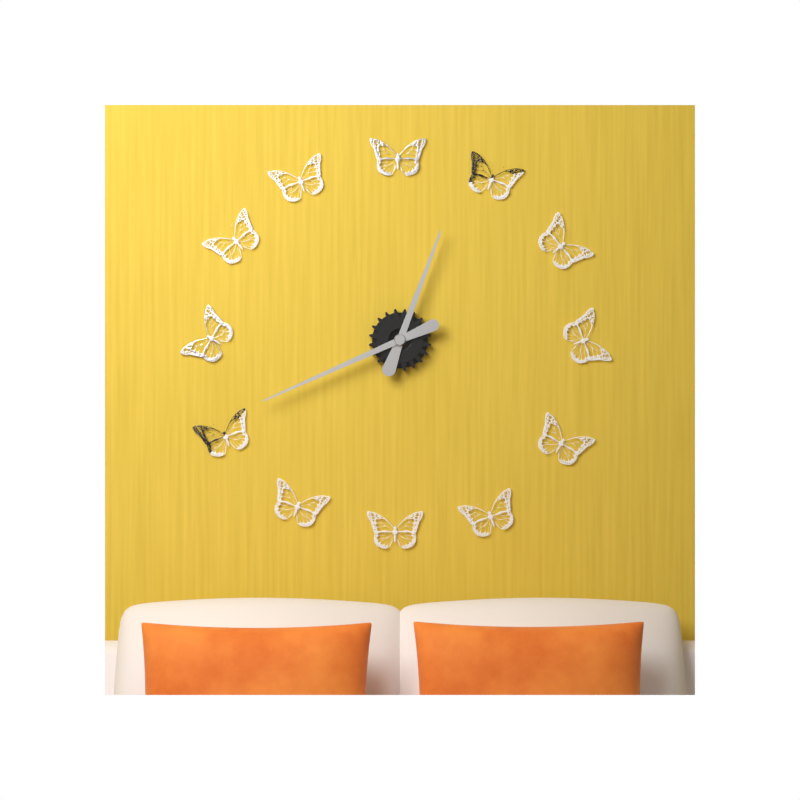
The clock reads h=12 m=41
